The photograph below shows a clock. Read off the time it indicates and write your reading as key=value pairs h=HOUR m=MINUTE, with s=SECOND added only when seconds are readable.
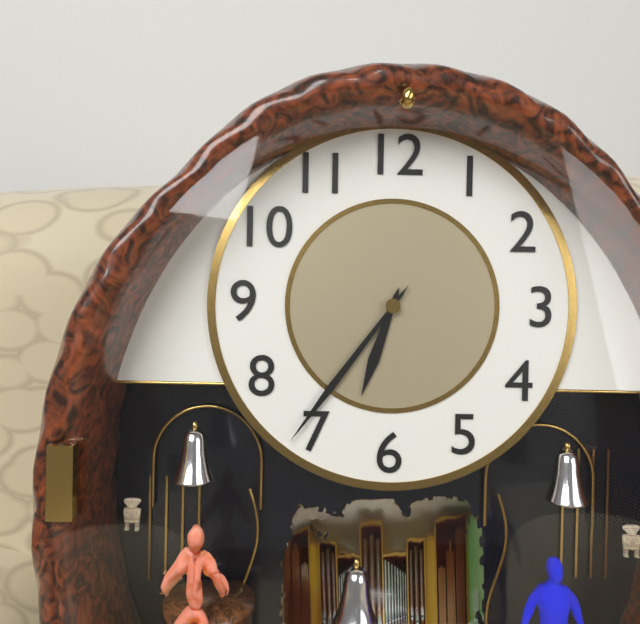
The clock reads h=6 m=36
